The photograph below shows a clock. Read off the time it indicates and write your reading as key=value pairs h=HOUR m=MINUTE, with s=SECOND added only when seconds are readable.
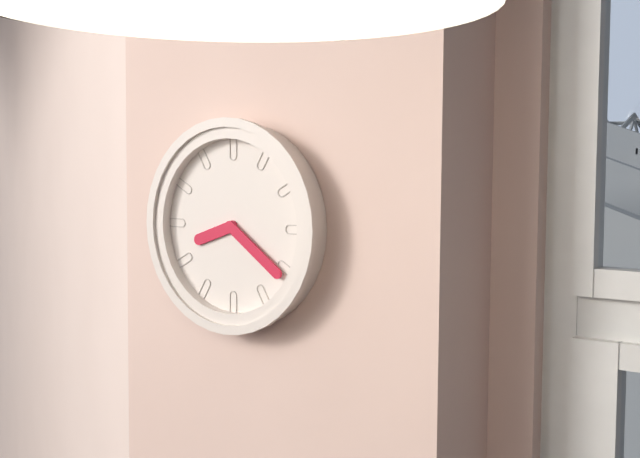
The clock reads h=8 m=21
